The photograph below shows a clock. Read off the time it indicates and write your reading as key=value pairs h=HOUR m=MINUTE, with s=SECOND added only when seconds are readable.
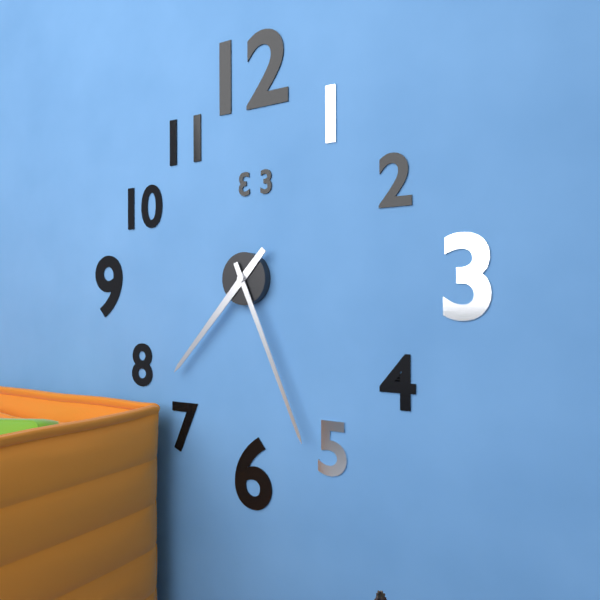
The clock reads h=7 m=26
